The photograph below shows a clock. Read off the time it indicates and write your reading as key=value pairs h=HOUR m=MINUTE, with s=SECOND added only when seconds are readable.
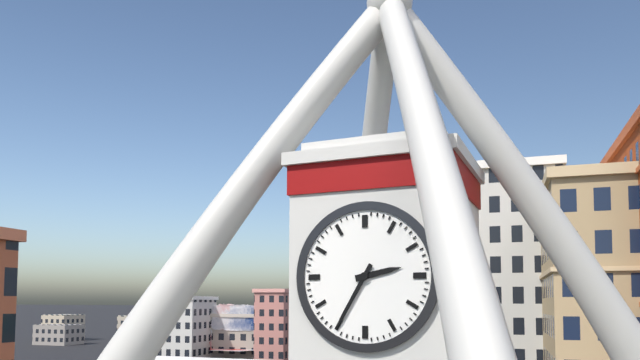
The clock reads h=2 m=35
